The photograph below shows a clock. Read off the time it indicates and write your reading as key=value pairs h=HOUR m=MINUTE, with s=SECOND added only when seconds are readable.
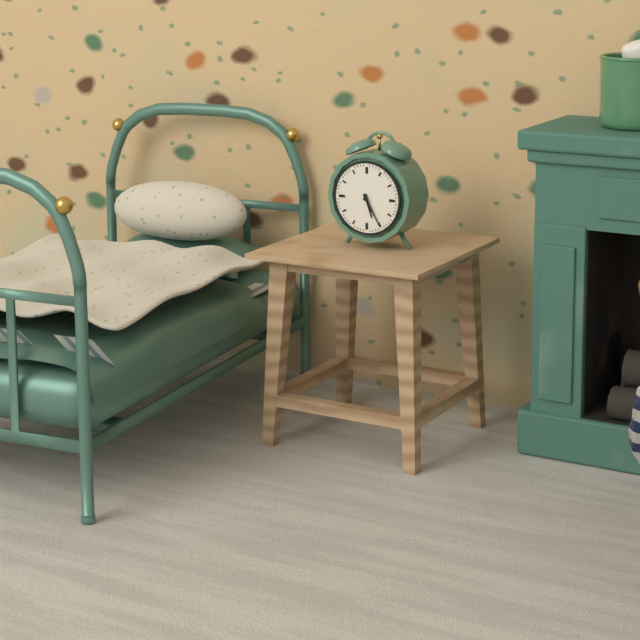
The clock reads h=5 m=25
